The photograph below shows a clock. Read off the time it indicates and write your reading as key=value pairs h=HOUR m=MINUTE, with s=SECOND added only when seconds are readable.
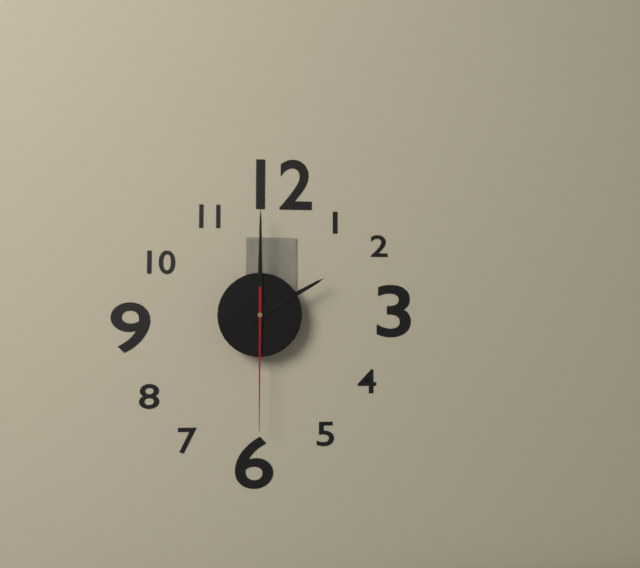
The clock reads h=2 m=0 s=30
